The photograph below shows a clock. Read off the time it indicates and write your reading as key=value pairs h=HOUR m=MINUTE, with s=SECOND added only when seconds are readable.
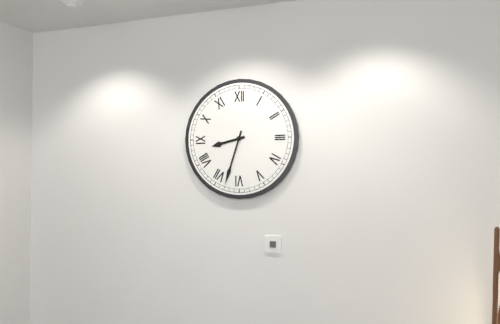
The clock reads h=8 m=33
